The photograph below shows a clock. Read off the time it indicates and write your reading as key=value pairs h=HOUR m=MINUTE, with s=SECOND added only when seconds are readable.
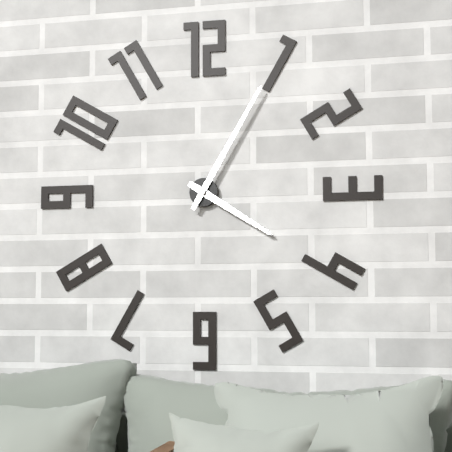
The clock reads h=4 m=5
